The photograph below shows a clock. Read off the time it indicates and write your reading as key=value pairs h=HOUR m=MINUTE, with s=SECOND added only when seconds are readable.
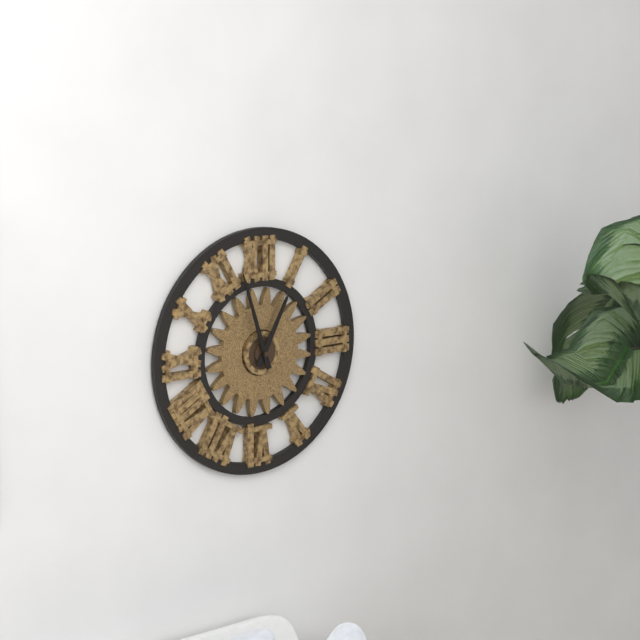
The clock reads h=12 m=57
